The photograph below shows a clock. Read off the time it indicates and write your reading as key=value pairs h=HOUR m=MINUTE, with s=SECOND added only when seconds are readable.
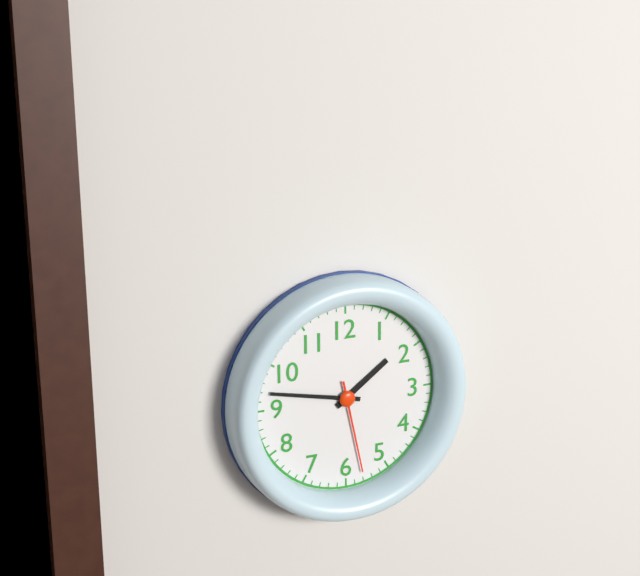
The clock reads h=1 m=47 s=28
